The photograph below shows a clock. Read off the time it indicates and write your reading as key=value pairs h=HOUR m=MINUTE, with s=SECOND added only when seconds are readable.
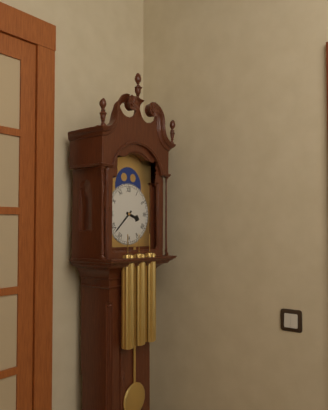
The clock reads h=3 m=38
